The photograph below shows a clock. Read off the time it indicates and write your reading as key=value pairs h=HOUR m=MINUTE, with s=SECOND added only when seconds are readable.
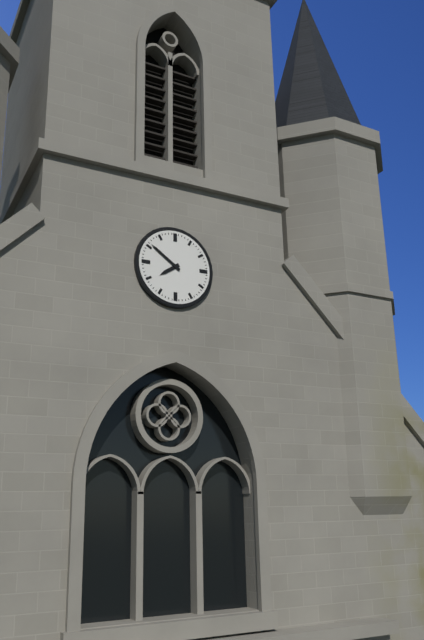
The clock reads h=7 m=51
